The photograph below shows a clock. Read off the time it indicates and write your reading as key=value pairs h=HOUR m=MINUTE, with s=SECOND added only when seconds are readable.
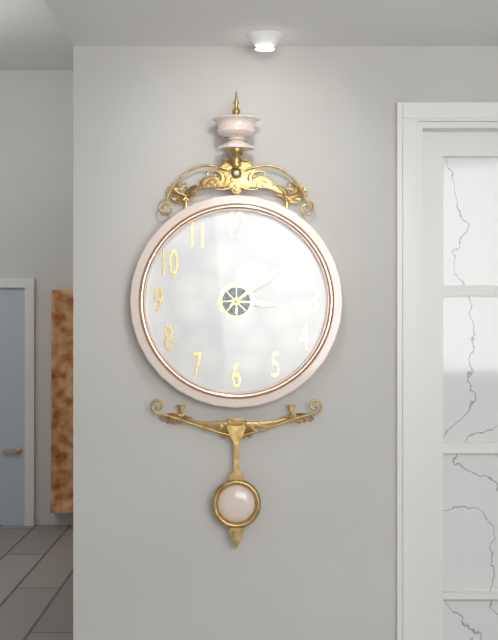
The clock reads h=3 m=9 s=0
